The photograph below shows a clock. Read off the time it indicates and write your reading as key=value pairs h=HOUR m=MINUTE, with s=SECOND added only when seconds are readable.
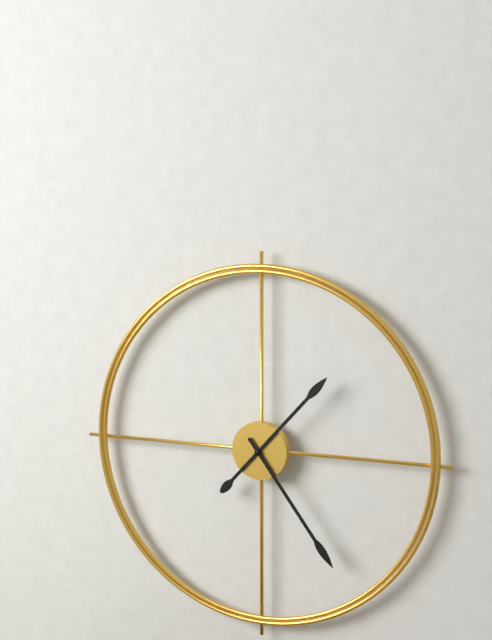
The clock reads h=1 m=24
